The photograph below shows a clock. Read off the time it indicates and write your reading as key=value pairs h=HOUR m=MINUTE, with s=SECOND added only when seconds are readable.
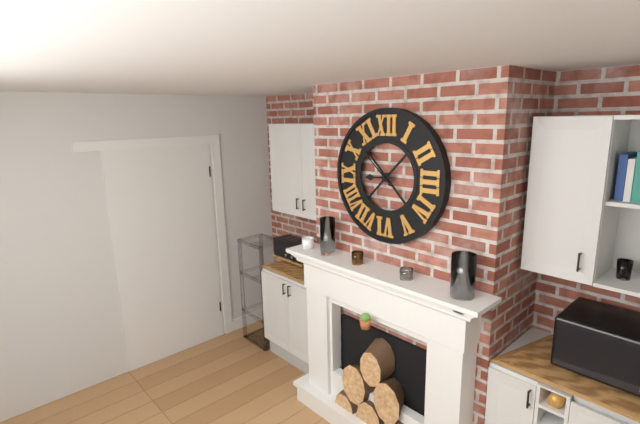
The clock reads h=8 m=52
